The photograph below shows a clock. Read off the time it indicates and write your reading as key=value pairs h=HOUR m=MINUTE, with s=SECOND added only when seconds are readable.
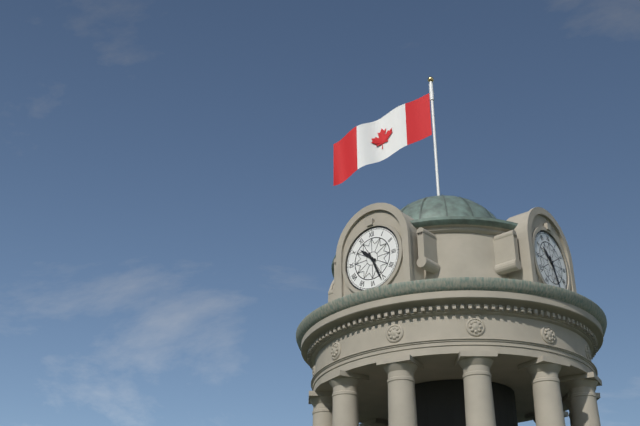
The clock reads h=10 m=26
